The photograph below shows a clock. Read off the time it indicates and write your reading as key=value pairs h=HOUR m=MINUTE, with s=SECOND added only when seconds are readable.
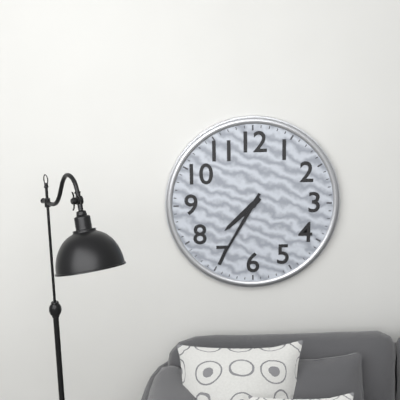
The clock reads h=7 m=35
